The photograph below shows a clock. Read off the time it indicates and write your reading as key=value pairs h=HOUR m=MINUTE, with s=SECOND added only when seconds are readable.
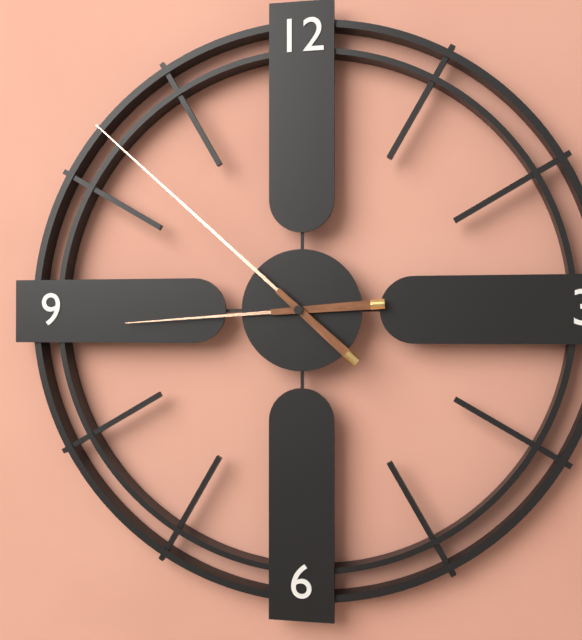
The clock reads h=8 m=52
